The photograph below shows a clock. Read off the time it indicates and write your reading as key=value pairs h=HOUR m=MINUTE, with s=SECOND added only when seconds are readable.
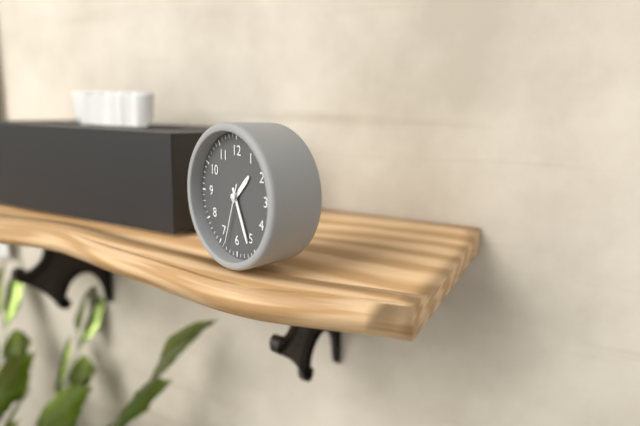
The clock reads h=1 m=26 s=33
